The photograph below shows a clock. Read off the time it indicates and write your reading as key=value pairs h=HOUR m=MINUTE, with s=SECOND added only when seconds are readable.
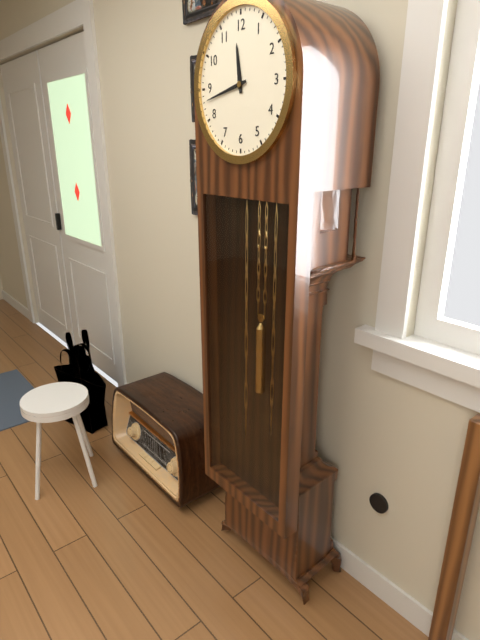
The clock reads h=11 m=43
